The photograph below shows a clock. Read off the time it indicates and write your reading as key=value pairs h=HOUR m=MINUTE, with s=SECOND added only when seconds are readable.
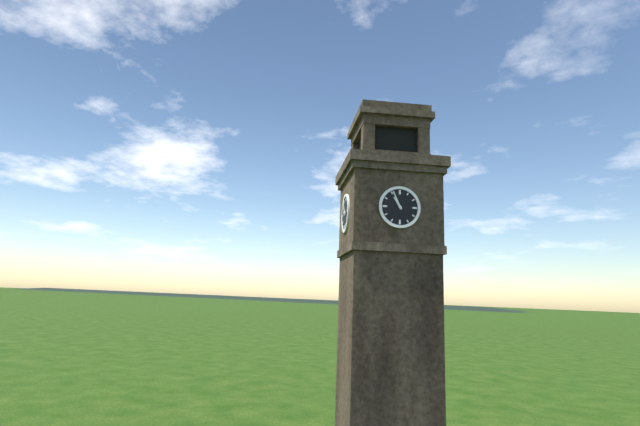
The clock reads h=10 m=56
